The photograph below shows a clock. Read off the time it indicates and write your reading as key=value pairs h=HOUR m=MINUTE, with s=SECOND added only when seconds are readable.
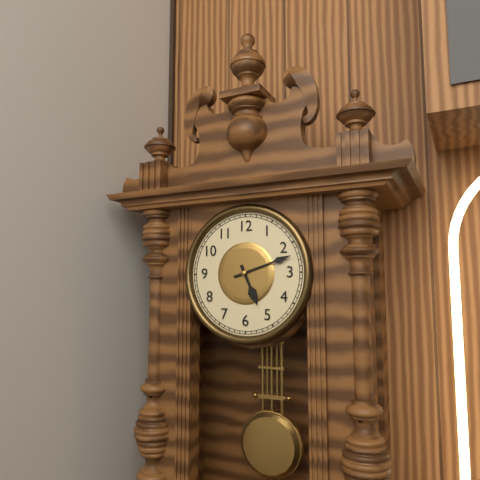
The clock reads h=5 m=12
